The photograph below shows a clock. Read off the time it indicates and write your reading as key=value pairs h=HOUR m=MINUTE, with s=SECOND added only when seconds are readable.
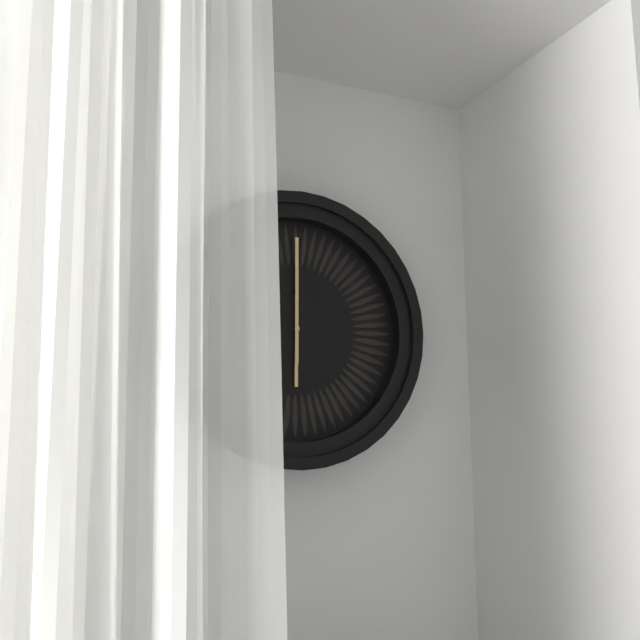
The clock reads h=6 m=0
